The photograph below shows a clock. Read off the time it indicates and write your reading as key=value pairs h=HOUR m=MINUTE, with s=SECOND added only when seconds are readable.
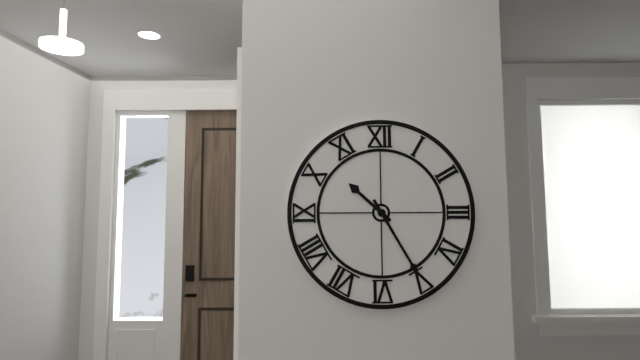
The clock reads h=10 m=25
